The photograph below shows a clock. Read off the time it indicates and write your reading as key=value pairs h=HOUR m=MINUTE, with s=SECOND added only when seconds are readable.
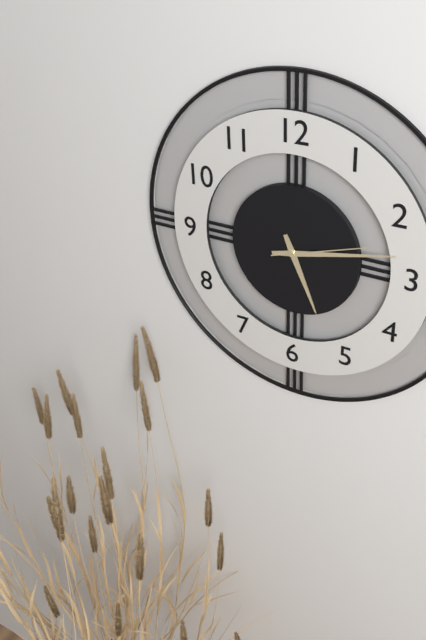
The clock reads h=5 m=13 s=12
